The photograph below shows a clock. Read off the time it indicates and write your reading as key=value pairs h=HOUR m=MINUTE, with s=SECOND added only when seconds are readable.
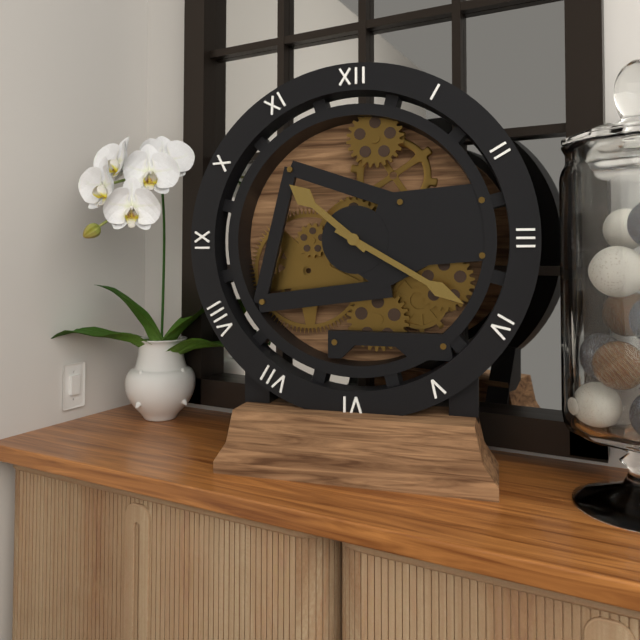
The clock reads h=10 m=20
